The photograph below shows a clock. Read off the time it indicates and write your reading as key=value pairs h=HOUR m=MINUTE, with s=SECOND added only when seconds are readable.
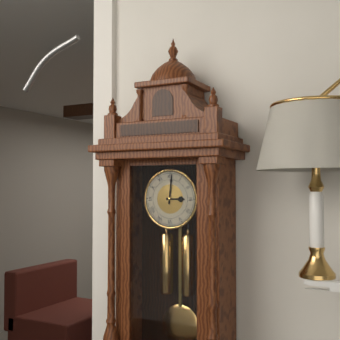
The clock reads h=3 m=1
